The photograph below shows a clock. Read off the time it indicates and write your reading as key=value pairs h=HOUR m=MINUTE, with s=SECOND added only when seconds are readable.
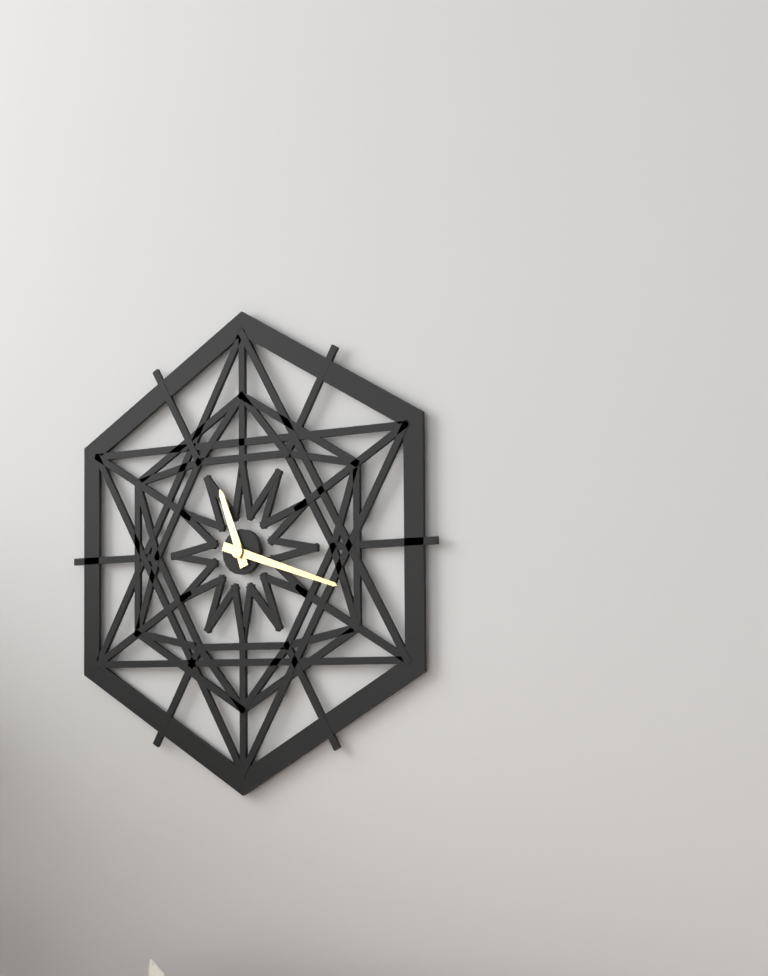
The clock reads h=11 m=18
